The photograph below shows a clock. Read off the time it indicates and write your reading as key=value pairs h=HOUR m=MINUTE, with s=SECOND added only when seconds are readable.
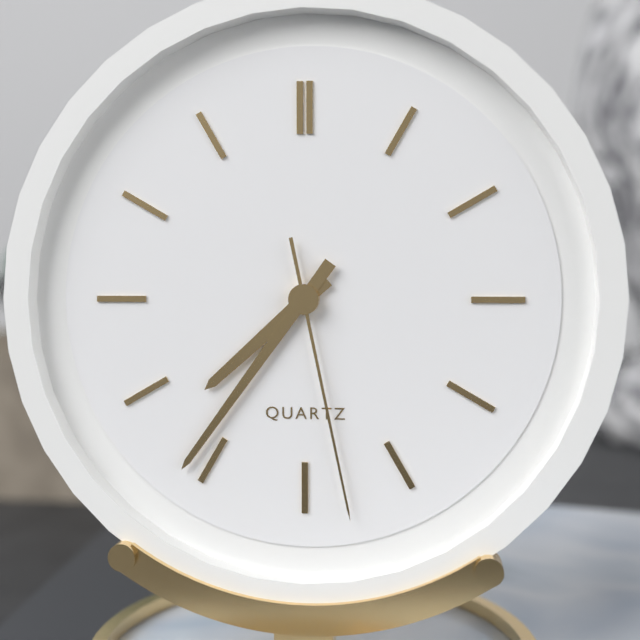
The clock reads h=7 m=36 s=28
